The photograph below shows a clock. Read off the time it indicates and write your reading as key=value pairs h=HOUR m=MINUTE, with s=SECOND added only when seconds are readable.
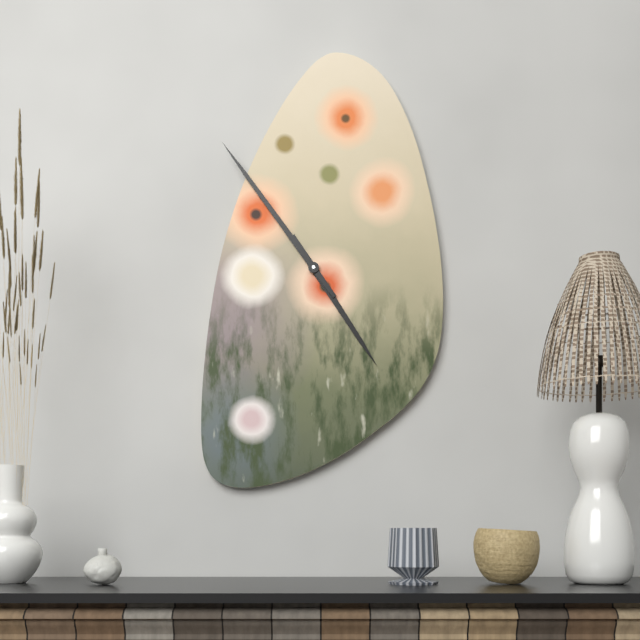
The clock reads h=4 m=54
